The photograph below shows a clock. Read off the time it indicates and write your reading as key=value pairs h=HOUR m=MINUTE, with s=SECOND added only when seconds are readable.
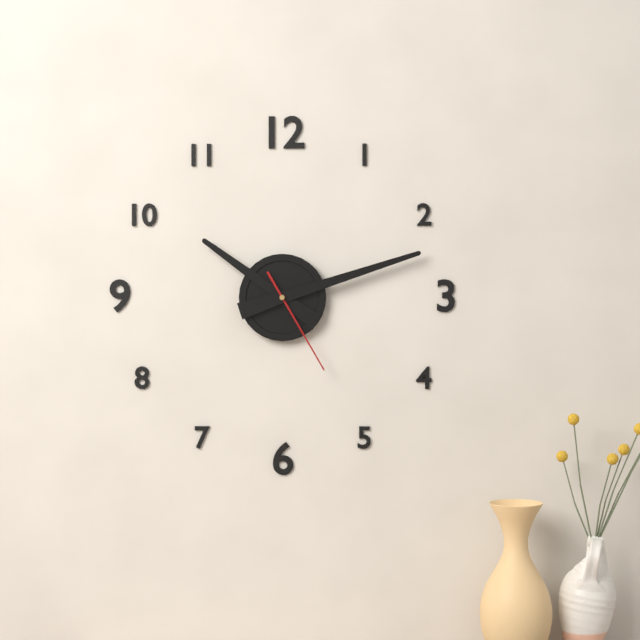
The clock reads h=10 m=12 s=25
